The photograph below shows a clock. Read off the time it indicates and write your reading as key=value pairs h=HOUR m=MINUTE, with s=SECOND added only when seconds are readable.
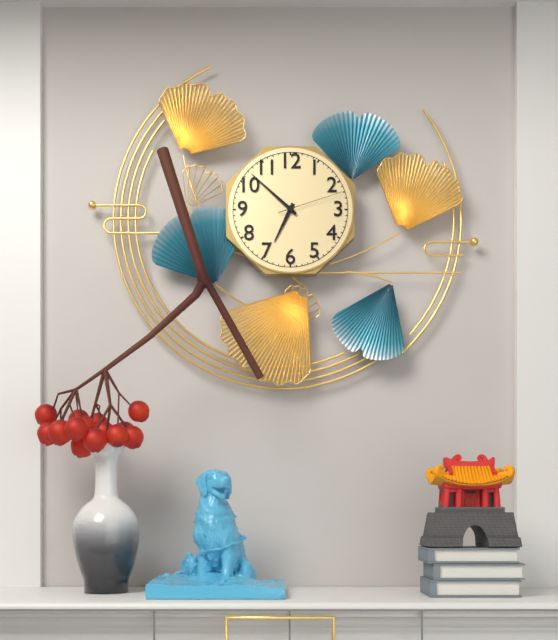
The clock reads h=6 m=52 s=12
